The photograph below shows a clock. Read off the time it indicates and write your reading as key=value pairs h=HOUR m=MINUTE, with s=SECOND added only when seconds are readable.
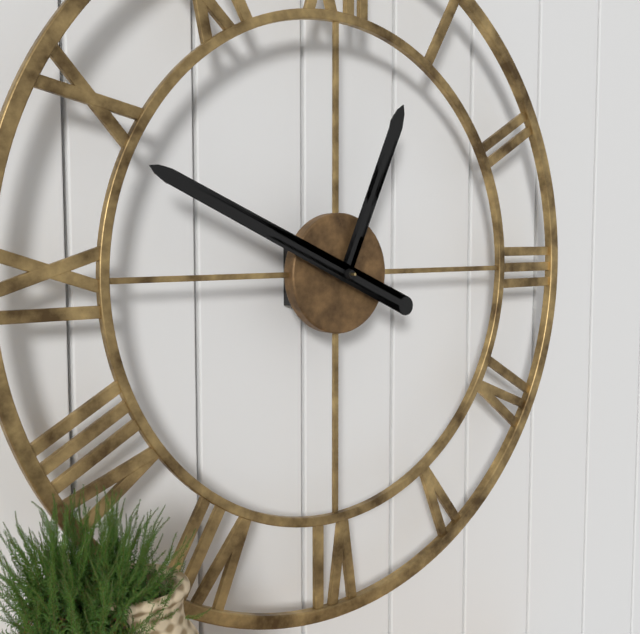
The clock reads h=12 m=49
